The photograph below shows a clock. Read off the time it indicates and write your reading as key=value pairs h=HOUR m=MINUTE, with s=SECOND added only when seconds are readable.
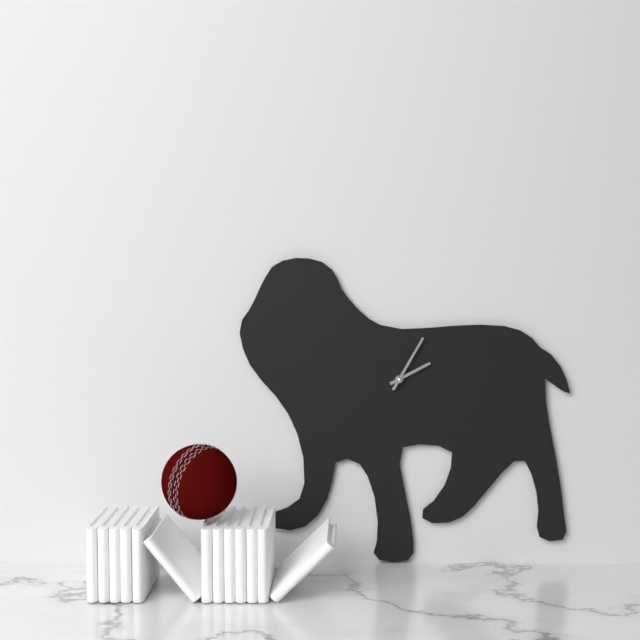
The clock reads h=2 m=5
